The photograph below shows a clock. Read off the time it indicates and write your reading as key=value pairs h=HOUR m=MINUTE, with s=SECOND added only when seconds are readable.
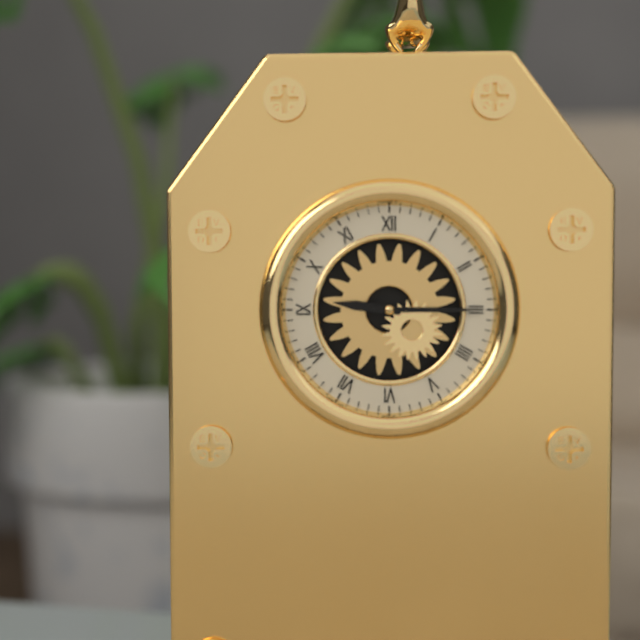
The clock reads h=9 m=15
